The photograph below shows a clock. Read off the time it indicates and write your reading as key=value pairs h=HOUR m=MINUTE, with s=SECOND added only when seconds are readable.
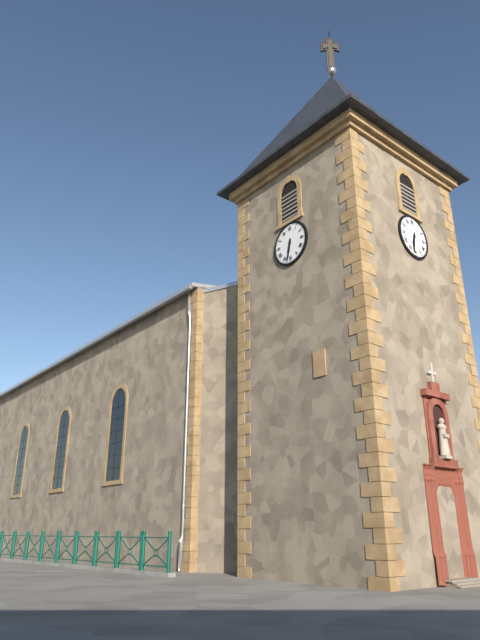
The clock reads h=6 m=32
